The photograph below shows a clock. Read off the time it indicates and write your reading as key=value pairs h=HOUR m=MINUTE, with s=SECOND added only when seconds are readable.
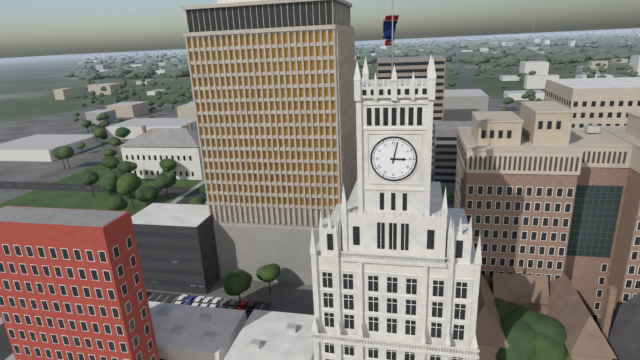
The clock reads h=3 m=2
